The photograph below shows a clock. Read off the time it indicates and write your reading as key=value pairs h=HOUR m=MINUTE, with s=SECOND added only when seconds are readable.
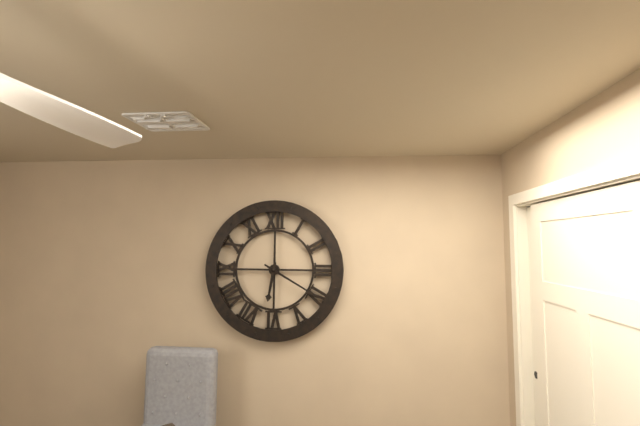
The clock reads h=6 m=20
